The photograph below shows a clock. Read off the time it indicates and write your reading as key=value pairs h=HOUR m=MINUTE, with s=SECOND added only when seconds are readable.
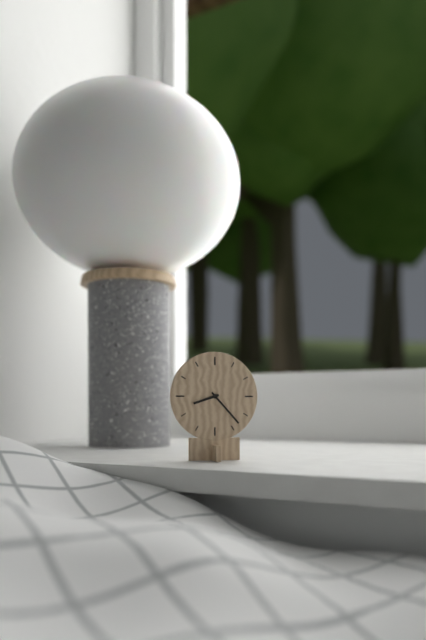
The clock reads h=8 m=23
